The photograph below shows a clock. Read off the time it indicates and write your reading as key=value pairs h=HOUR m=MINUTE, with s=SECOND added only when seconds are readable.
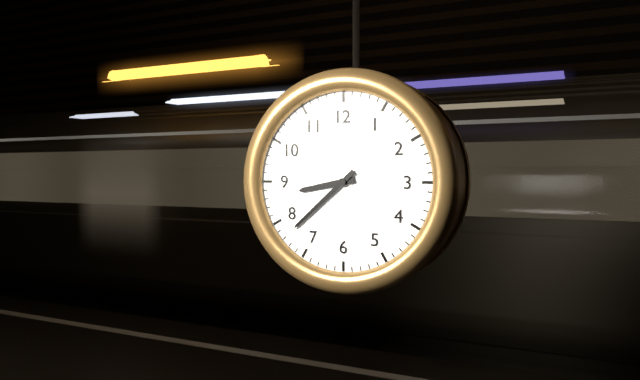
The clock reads h=8 m=38
